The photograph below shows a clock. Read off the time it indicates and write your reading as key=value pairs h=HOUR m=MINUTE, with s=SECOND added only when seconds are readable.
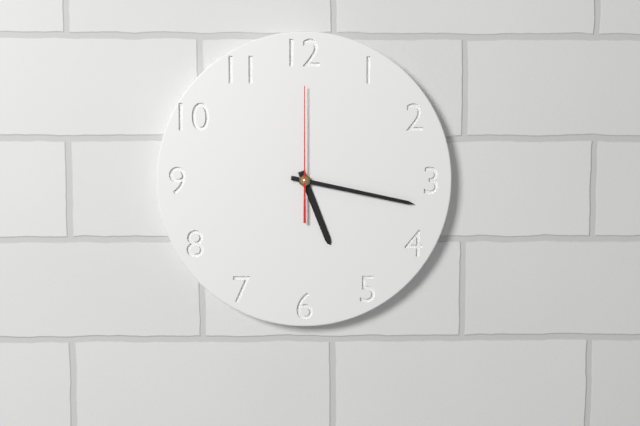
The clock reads h=5 m=17 s=0
